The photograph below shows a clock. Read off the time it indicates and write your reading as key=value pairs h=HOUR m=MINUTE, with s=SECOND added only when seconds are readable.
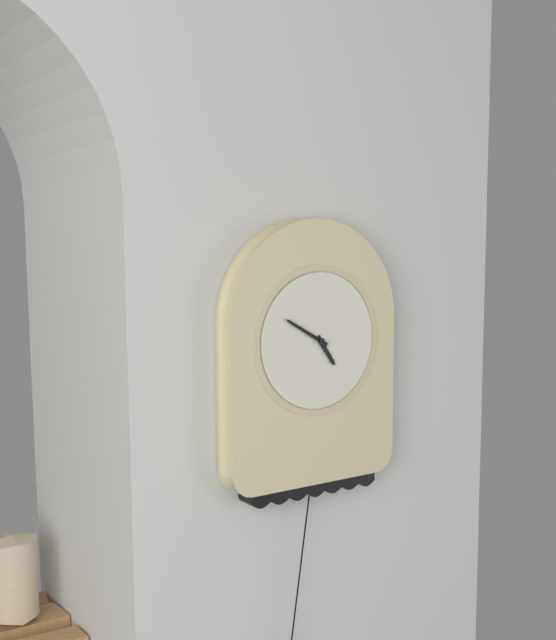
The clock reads h=4 m=50
